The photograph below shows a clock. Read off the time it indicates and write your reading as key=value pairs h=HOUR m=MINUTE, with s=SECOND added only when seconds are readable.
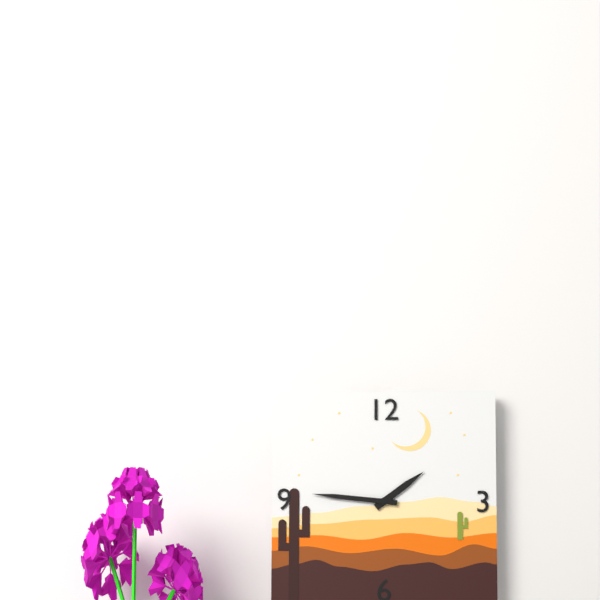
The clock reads h=1 m=46
